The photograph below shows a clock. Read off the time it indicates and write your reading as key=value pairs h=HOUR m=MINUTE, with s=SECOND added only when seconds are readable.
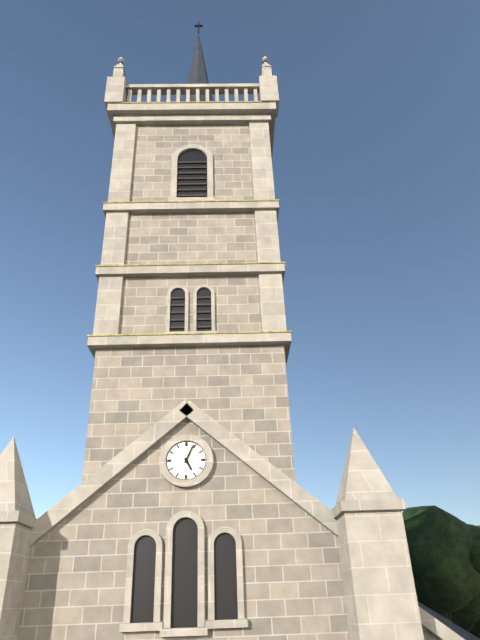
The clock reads h=5 m=4
